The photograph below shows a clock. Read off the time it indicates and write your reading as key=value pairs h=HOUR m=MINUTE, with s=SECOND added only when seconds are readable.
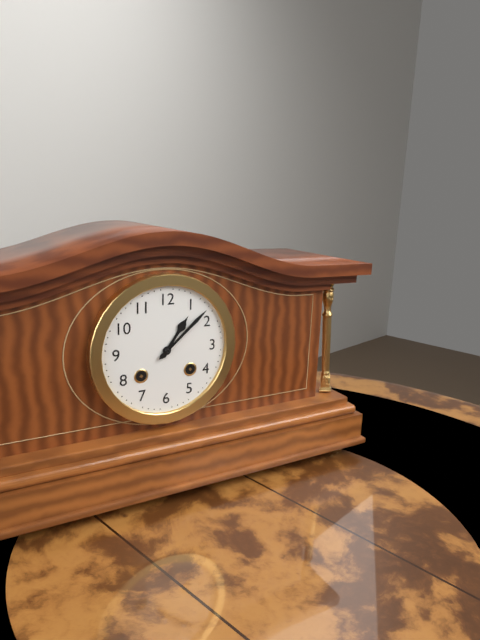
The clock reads h=1 m=8
